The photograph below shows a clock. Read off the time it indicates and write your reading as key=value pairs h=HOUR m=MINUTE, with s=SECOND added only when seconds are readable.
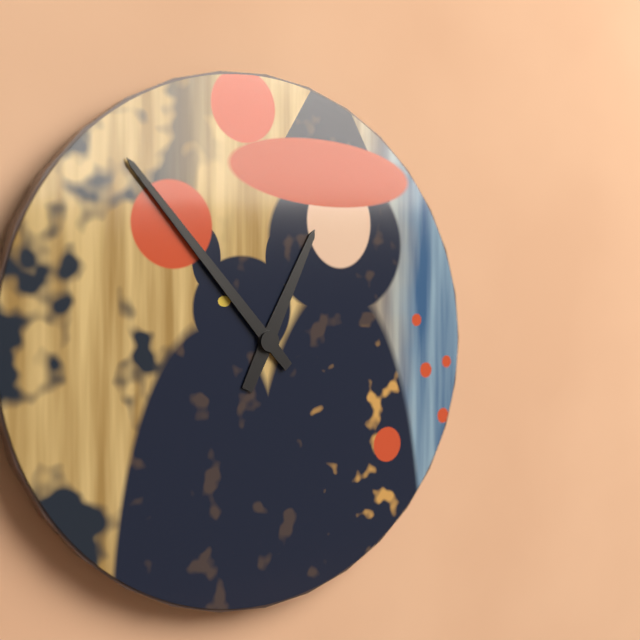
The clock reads h=12 m=53
